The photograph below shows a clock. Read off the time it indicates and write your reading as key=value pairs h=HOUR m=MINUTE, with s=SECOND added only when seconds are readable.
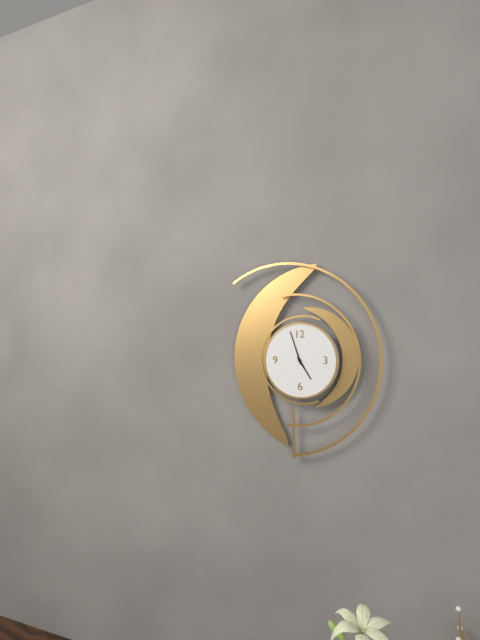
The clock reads h=4 m=57
